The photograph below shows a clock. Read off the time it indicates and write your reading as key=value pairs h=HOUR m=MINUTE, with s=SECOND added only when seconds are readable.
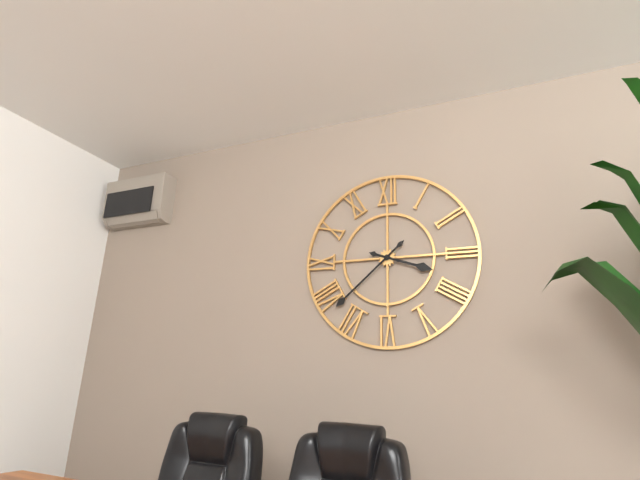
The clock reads h=3 m=38
